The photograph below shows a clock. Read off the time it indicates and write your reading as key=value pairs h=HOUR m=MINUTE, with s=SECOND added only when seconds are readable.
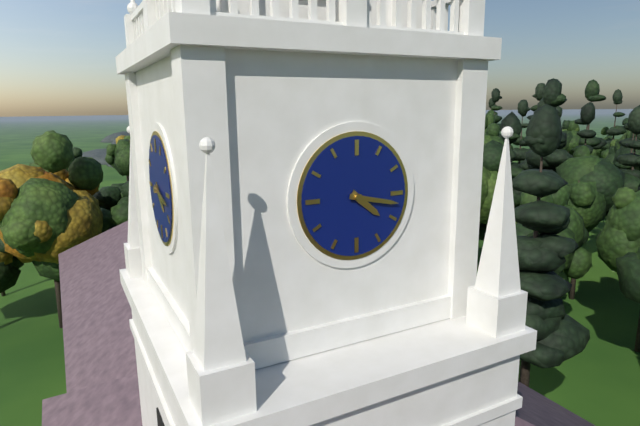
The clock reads h=4 m=17
